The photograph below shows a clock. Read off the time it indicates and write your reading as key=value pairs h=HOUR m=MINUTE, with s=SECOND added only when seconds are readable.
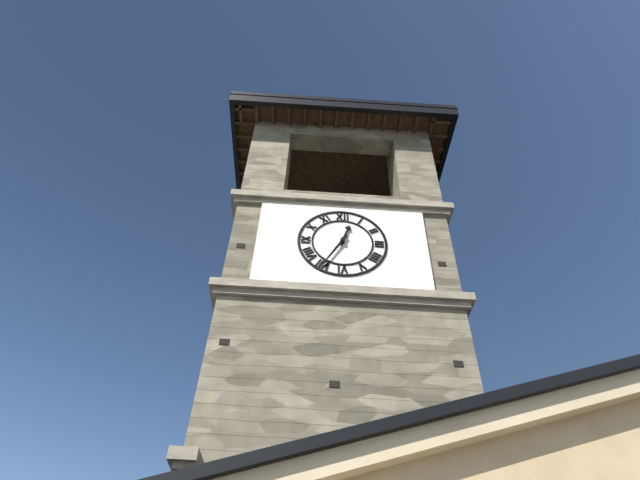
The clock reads h=12 m=35
